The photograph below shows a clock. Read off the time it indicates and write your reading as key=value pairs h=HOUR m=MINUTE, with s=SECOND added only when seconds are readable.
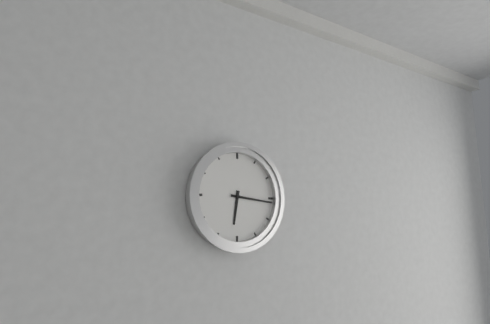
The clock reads h=6 m=16
